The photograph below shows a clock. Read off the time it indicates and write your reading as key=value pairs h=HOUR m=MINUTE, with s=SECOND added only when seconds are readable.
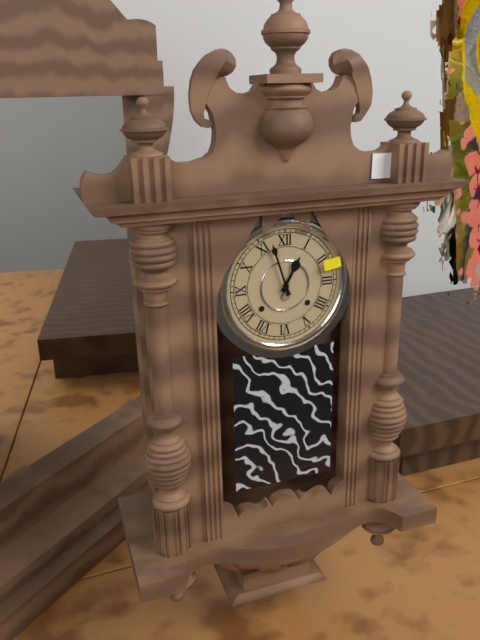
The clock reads h=12 m=57
